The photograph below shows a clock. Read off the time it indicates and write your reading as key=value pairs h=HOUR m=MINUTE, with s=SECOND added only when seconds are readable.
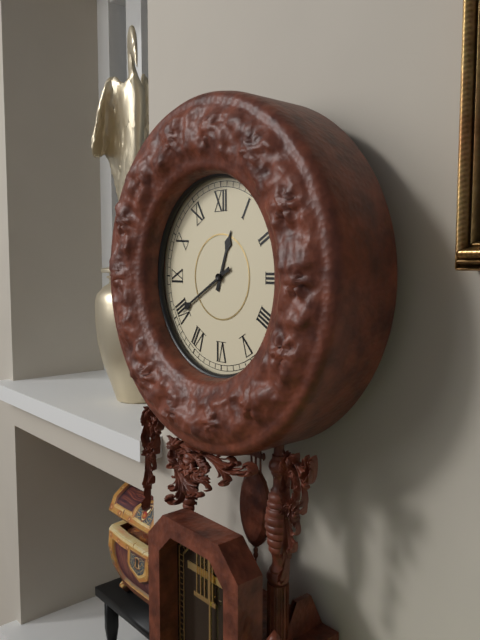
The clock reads h=12 m=40
